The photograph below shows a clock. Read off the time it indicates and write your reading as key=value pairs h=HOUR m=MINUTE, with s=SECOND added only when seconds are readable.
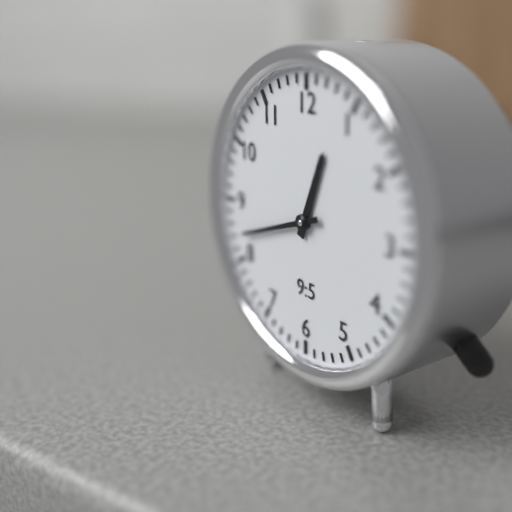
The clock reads h=12 m=42
